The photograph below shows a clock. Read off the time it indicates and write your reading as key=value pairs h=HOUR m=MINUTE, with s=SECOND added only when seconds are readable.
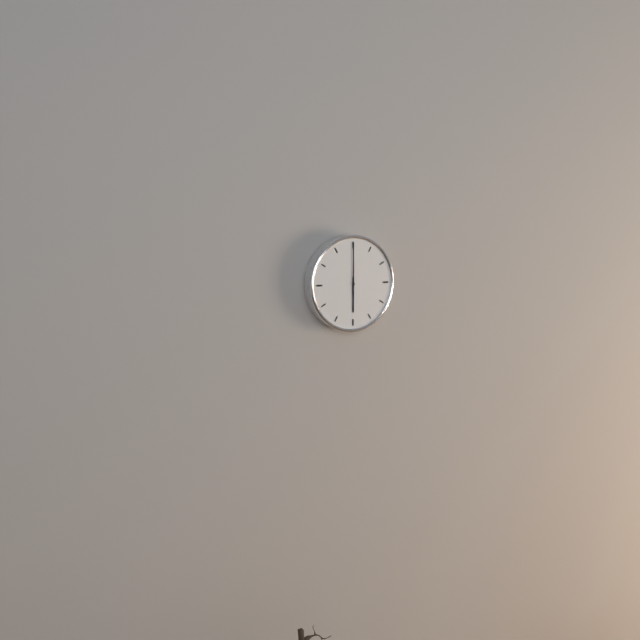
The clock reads h=6 m=0
